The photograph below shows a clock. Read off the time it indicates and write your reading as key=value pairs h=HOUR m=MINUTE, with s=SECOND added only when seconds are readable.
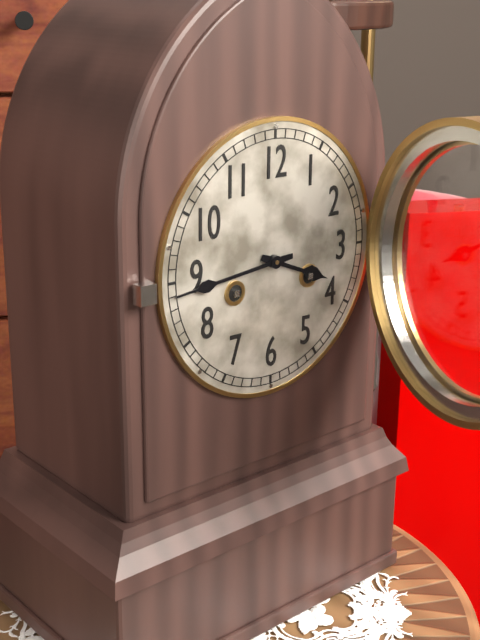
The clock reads h=3 m=44
